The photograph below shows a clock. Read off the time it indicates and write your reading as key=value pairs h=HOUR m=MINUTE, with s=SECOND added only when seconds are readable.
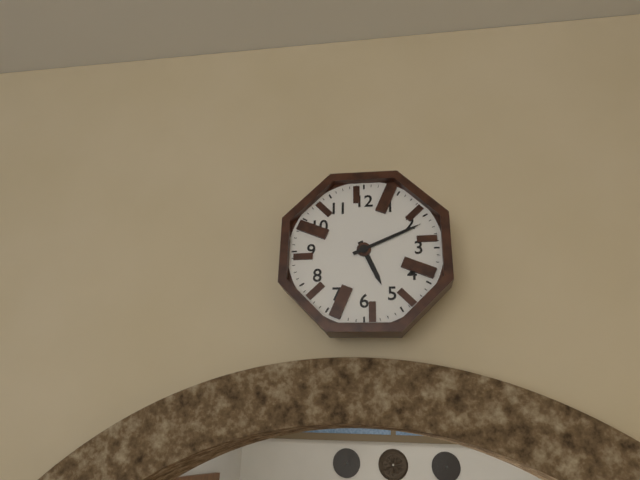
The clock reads h=5 m=11
